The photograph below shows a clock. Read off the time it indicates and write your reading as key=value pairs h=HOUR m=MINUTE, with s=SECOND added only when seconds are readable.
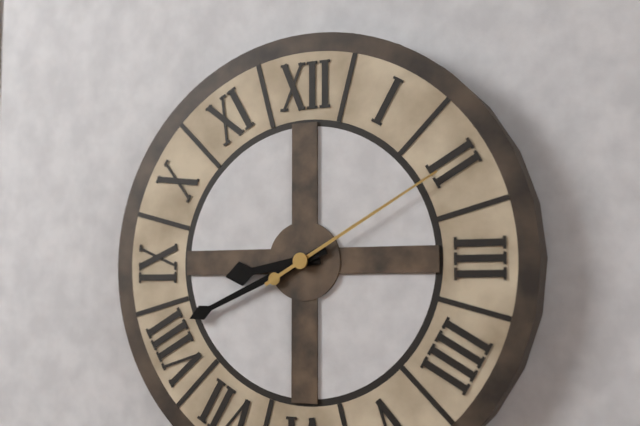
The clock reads h=8 m=41 s=10
